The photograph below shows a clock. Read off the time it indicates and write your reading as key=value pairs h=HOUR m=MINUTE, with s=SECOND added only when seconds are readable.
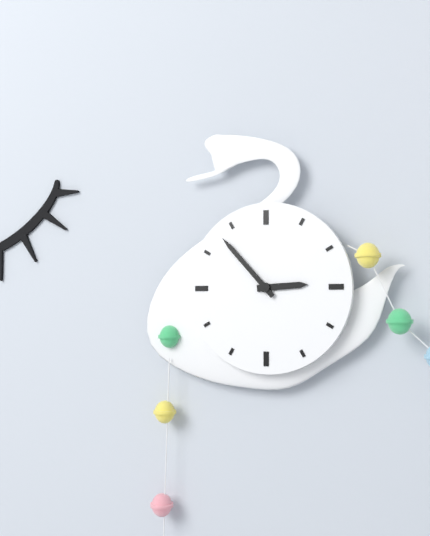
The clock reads h=2 m=53
